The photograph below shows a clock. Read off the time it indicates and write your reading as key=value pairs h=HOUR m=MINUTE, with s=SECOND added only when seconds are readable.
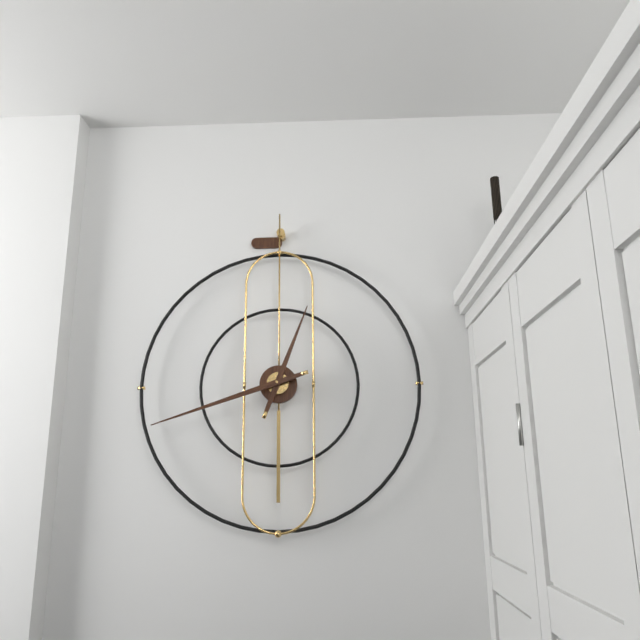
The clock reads h=12 m=42
